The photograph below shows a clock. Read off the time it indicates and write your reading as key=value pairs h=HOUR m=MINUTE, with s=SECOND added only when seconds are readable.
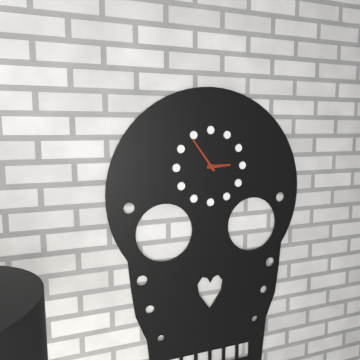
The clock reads h=2 m=54
